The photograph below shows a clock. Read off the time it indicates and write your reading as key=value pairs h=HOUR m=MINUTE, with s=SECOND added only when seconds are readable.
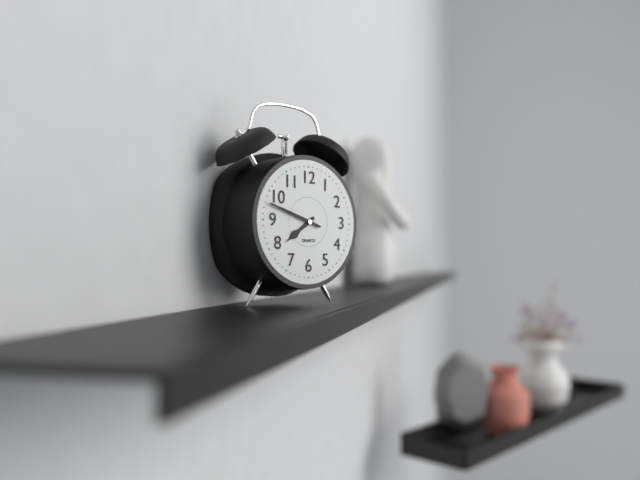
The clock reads h=7 m=48
